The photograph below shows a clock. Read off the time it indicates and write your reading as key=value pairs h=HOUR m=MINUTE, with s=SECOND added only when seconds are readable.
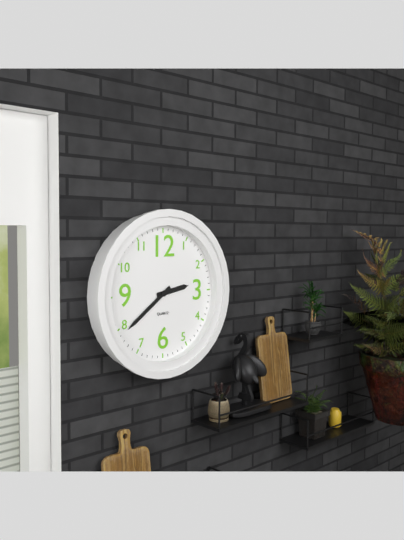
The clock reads h=2 m=39
